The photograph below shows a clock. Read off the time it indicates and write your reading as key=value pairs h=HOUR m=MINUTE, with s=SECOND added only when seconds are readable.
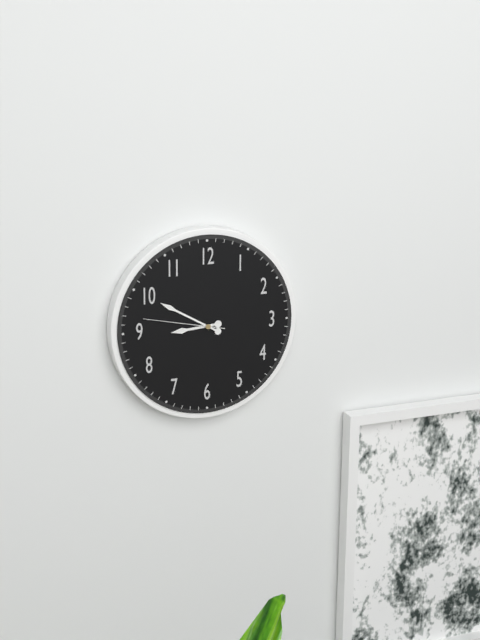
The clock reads h=8 m=50 s=47
